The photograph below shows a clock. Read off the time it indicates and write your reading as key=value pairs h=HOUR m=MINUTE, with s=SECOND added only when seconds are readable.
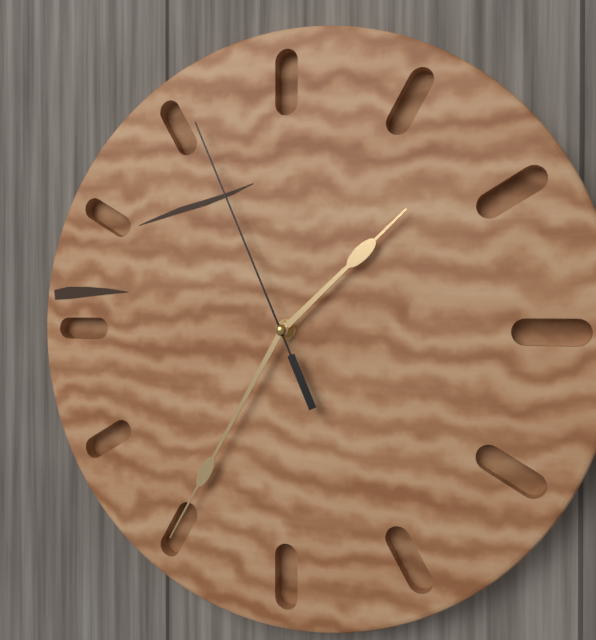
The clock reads h=1 m=35 s=56
